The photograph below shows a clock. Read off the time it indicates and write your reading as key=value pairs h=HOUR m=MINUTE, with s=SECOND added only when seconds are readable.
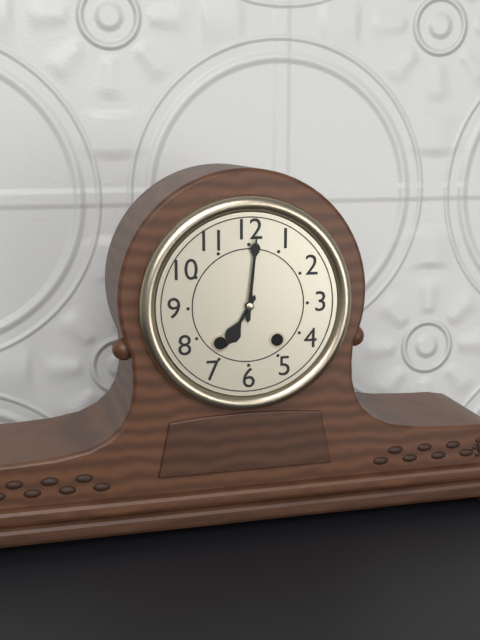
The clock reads h=7 m=1
